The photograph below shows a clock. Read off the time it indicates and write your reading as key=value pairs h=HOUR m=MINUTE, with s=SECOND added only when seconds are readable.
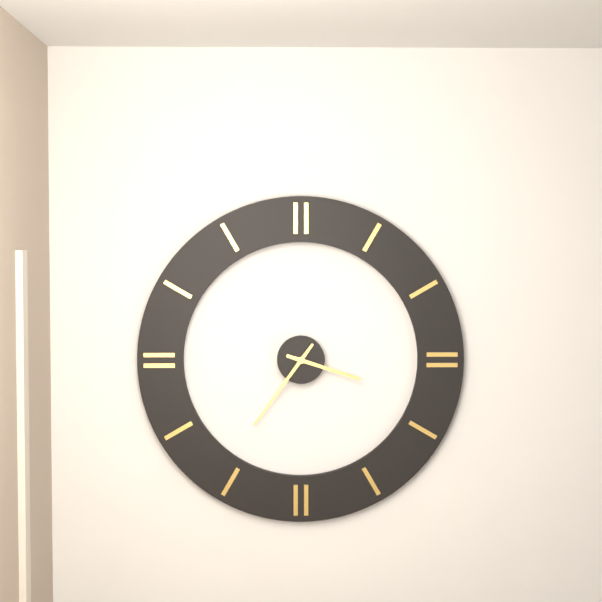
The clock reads h=3 m=36
